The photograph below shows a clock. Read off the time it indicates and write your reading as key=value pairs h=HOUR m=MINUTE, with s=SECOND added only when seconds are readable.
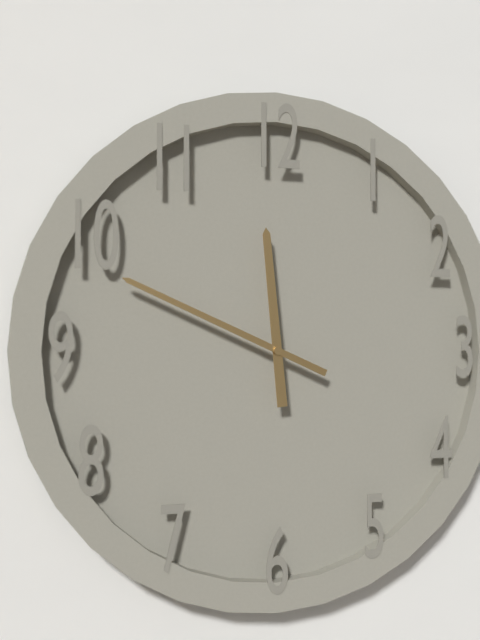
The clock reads h=11 m=49
